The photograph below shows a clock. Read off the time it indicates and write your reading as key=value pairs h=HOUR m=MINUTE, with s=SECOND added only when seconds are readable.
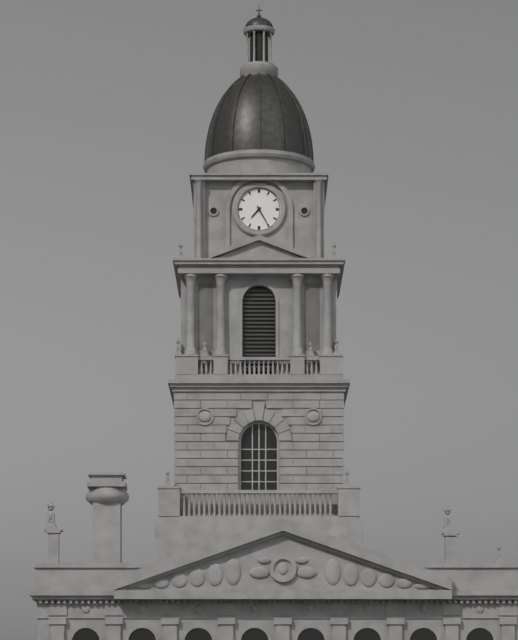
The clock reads h=7 m=25
